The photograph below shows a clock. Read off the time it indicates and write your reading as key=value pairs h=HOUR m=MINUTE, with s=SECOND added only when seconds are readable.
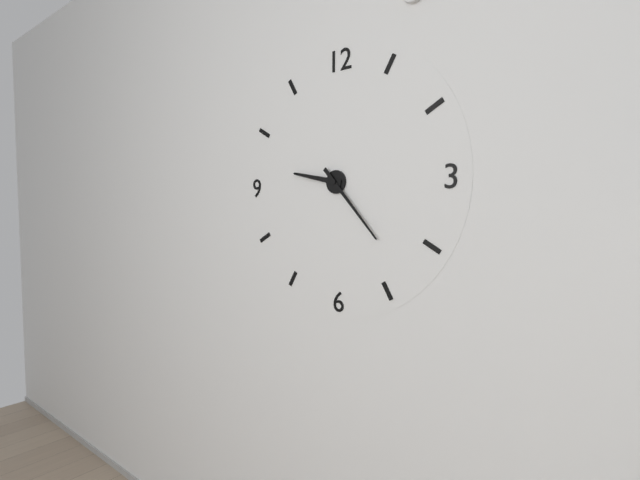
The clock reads h=9 m=23
